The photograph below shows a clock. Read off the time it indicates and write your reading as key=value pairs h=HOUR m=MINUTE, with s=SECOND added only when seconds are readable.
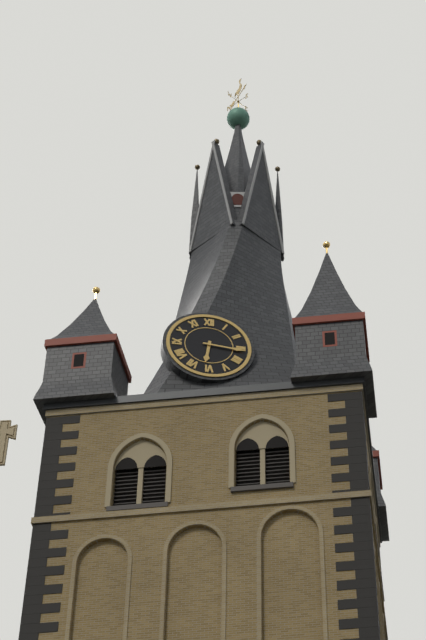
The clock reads h=6 m=16
